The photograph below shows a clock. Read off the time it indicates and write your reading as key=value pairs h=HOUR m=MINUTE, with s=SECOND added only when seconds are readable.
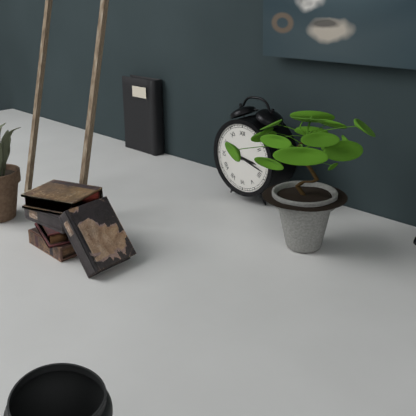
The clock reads h=3 m=18
